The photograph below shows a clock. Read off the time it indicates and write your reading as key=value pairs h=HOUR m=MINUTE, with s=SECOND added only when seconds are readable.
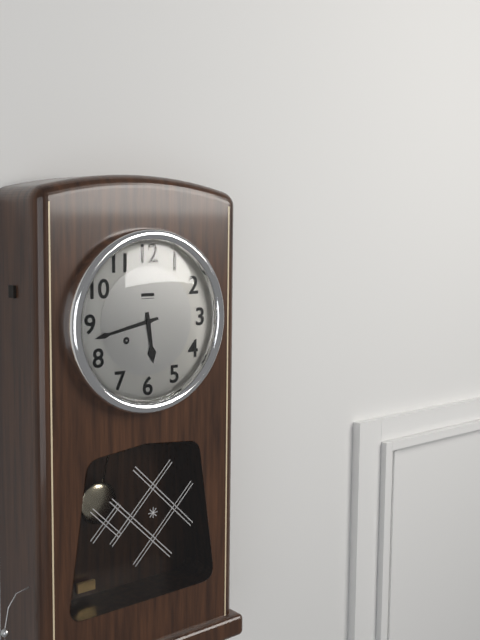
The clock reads h=5 m=43
